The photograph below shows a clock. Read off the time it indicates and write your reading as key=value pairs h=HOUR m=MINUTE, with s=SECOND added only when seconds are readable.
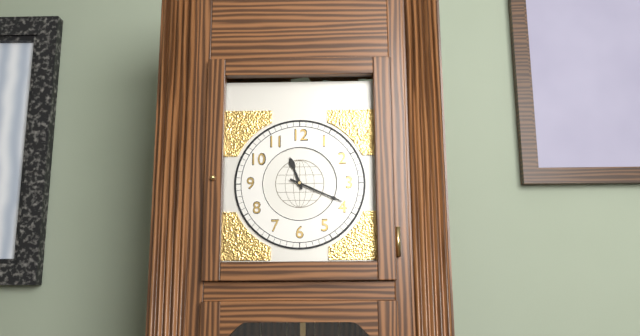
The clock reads h=11 m=19
